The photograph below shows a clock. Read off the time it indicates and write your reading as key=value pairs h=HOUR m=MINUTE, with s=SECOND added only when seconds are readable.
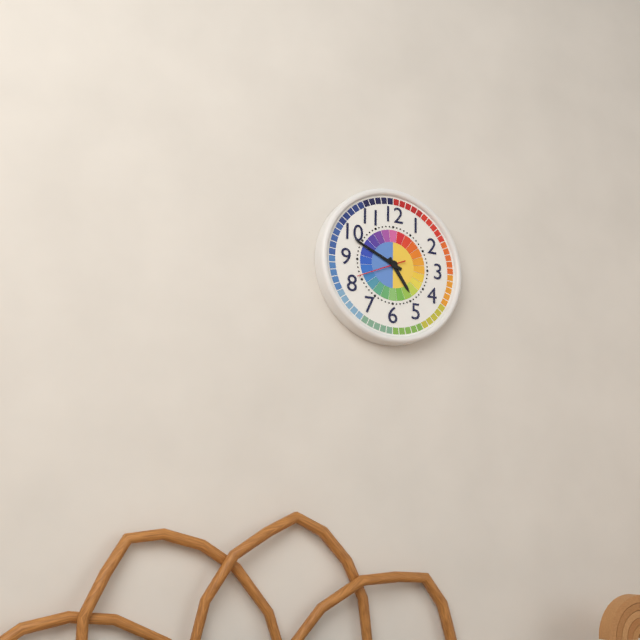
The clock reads h=4 m=49
